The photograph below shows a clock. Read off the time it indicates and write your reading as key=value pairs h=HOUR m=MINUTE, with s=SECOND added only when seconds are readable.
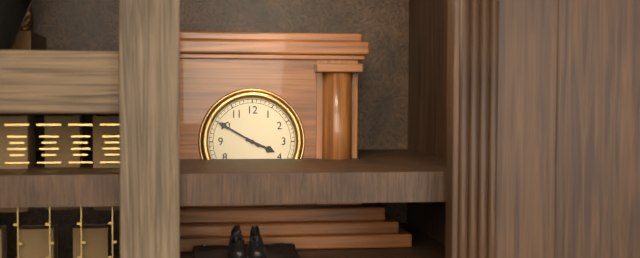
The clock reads h=3 m=50
